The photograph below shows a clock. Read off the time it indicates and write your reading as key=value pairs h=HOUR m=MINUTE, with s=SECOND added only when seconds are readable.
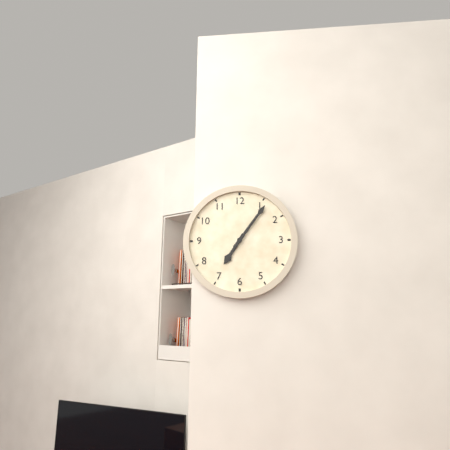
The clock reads h=7 m=6
